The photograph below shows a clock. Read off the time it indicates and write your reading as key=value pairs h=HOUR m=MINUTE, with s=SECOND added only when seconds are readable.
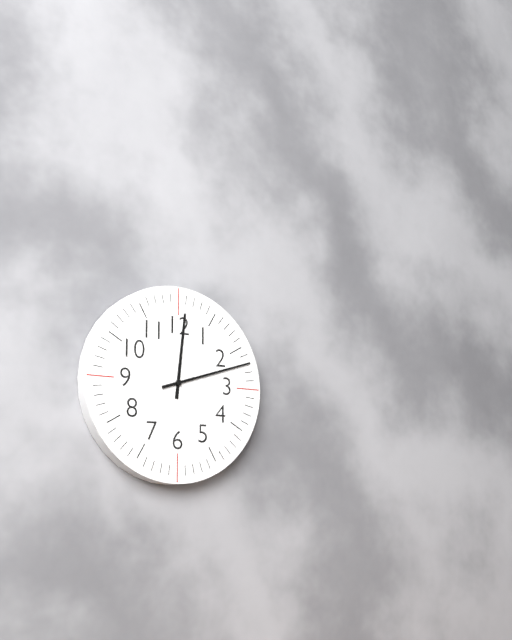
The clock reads h=12 m=12
